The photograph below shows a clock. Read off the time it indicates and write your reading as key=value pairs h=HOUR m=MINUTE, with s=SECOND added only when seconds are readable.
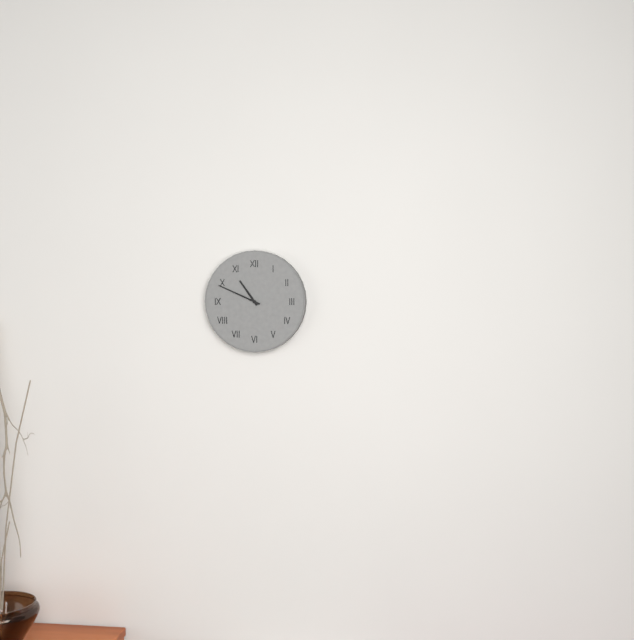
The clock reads h=10 m=49
